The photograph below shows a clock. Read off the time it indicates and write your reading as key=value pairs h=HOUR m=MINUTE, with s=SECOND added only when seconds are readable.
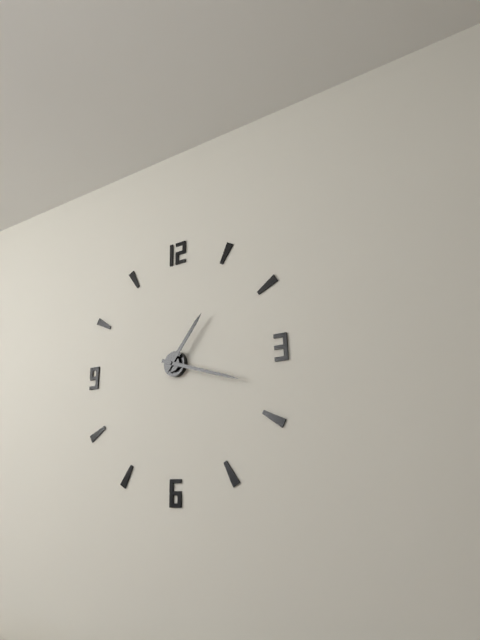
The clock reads h=1 m=18
